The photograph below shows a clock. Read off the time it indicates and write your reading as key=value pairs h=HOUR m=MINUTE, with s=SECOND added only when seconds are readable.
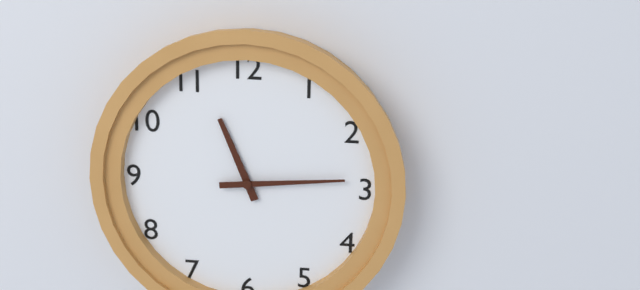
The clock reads h=11 m=14
